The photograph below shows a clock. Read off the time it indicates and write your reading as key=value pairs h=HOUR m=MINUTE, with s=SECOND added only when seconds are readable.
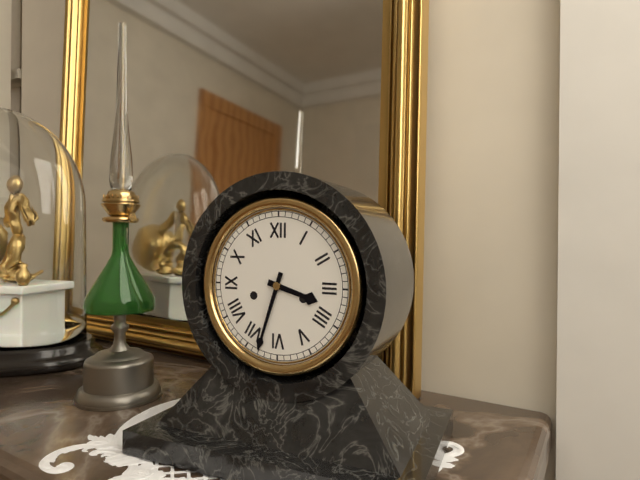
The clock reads h=3 m=33
